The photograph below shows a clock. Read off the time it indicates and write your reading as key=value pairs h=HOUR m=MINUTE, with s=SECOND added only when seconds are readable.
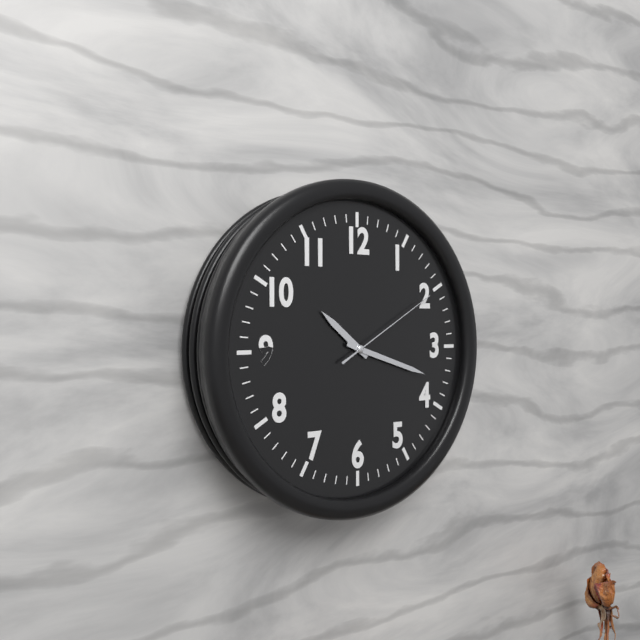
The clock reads h=10 m=18 s=10
